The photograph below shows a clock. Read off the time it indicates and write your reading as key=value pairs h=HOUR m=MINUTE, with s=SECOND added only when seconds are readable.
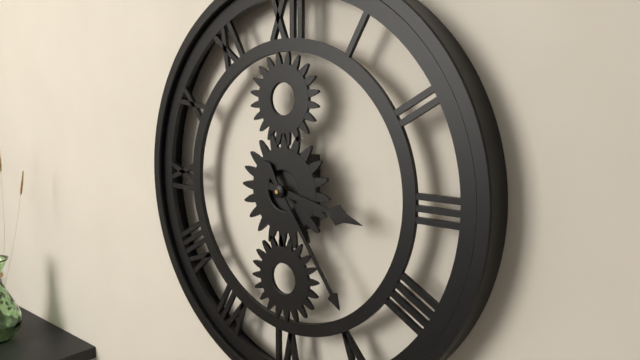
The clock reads h=3 m=24
